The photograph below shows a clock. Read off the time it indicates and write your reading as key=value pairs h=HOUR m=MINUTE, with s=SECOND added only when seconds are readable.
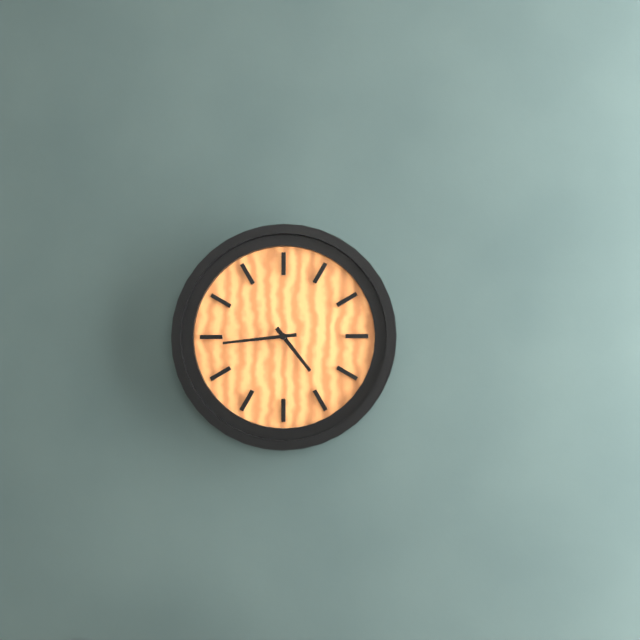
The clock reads h=4 m=44
